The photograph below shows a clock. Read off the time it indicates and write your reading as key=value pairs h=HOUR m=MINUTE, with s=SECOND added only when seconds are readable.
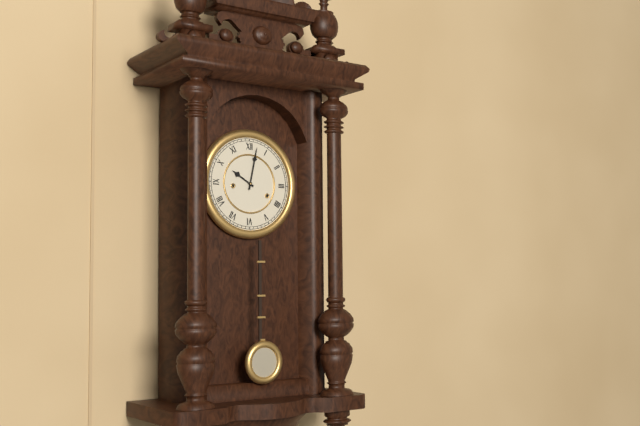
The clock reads h=10 m=2
